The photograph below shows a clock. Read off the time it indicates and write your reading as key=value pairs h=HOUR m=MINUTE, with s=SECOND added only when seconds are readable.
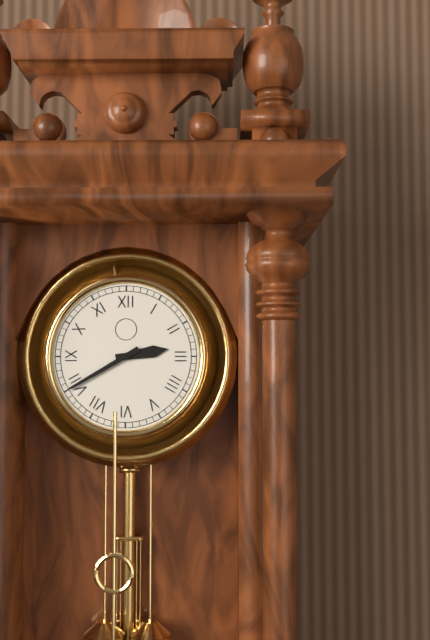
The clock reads h=2 m=40
